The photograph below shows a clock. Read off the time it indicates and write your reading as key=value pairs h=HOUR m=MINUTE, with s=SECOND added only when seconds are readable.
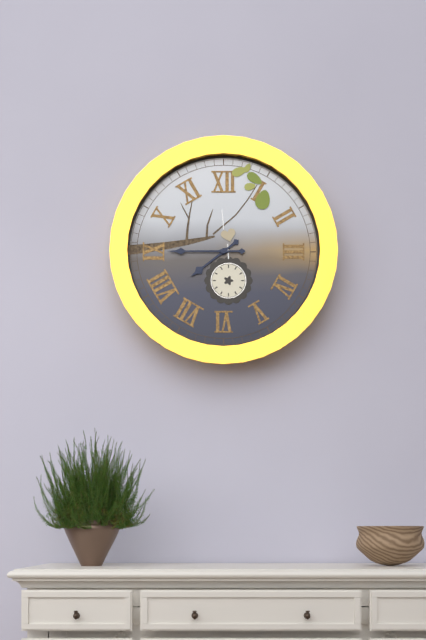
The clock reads h=7 m=45
